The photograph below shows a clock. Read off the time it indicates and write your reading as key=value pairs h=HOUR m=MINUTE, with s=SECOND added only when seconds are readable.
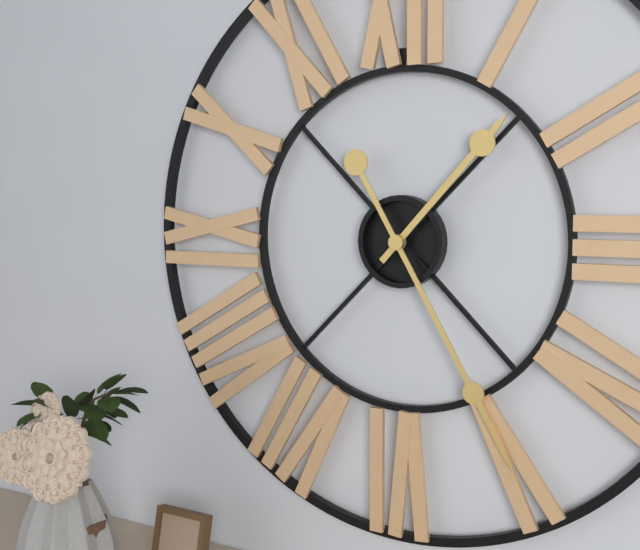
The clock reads h=1 m=25
